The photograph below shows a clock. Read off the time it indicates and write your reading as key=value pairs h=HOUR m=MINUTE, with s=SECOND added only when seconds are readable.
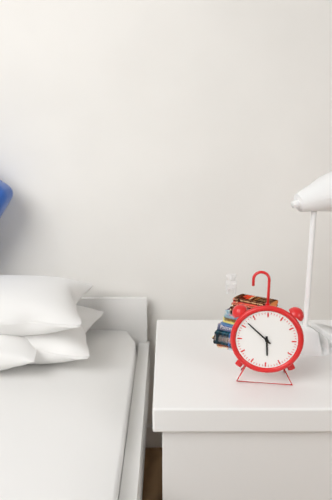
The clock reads h=5 m=52
